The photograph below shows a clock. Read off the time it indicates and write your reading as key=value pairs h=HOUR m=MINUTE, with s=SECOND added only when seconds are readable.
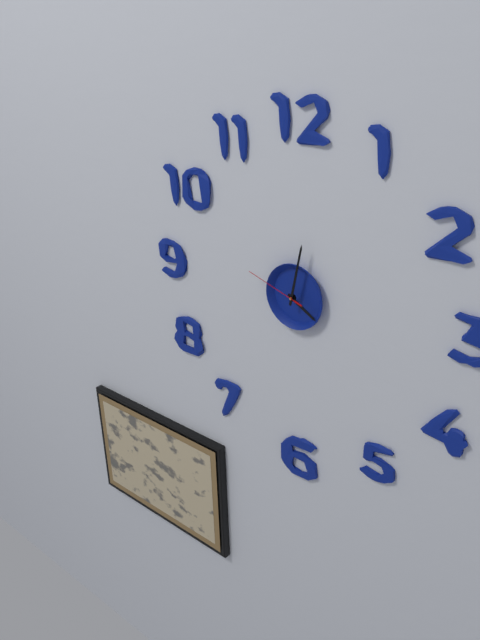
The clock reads h=4 m=2 s=48
